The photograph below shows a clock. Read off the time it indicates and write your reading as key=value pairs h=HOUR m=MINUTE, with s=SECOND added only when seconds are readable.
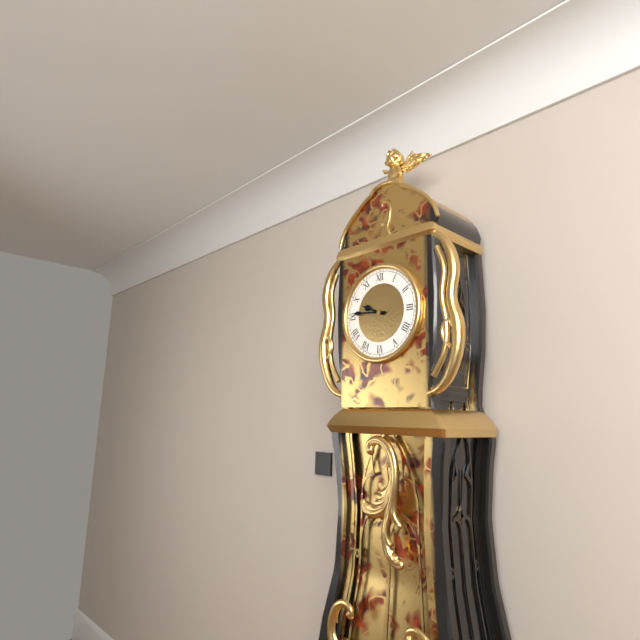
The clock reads h=9 m=46
